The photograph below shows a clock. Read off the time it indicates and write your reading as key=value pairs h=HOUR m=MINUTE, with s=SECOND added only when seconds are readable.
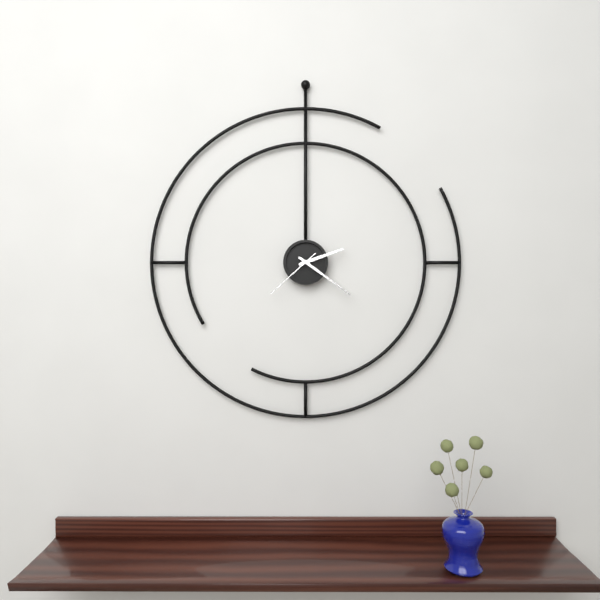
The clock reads h=2 m=21 s=38
